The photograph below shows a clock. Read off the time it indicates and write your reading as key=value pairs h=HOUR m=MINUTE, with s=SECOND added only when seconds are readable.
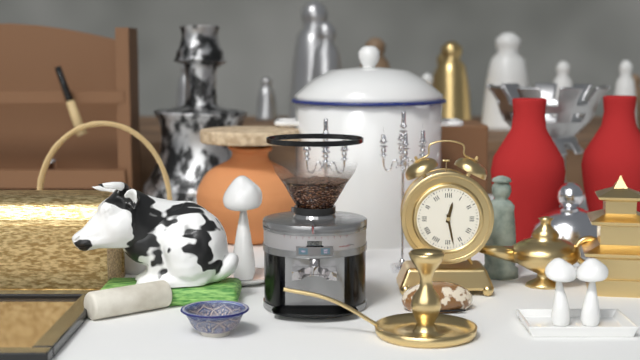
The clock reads h=12 m=28
